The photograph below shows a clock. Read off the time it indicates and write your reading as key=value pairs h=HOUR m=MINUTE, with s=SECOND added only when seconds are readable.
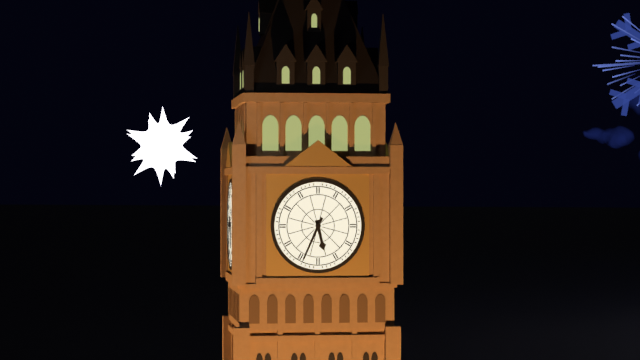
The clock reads h=5 m=34
